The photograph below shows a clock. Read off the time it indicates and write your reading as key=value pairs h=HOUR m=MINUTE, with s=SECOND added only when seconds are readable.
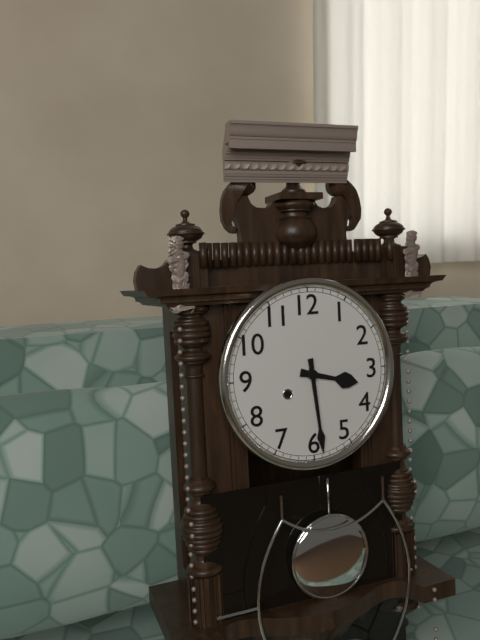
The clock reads h=3 m=29
